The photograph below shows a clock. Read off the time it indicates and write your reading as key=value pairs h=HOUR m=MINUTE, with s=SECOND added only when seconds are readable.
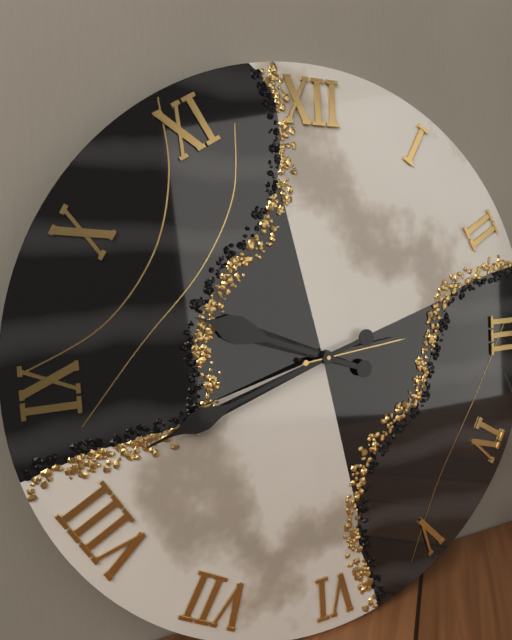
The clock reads h=9 m=42 s=14
